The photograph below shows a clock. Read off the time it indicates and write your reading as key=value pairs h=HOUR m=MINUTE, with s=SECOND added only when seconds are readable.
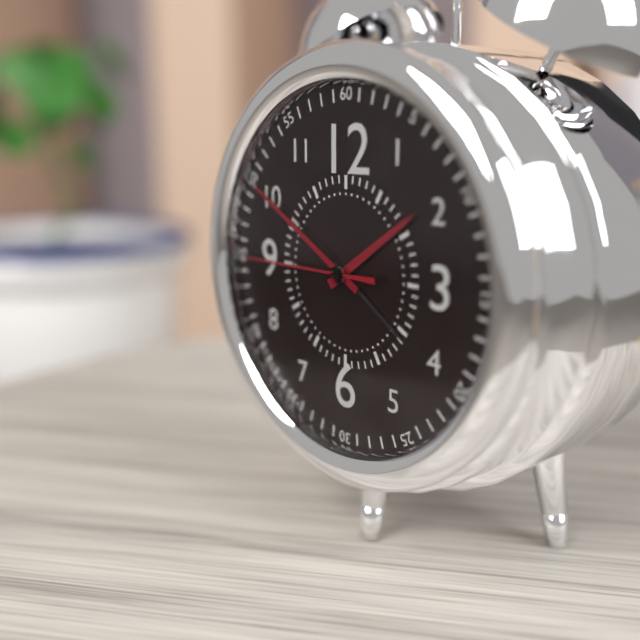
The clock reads h=1 m=50 s=45
